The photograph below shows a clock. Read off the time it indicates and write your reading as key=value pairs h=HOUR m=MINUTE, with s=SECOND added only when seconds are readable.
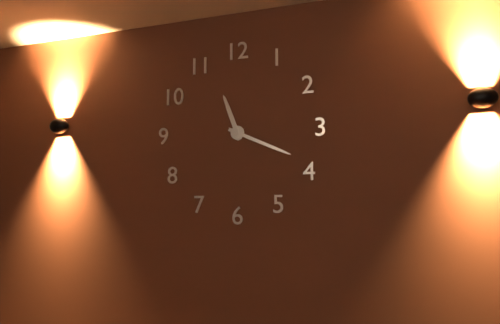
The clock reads h=11 m=19
